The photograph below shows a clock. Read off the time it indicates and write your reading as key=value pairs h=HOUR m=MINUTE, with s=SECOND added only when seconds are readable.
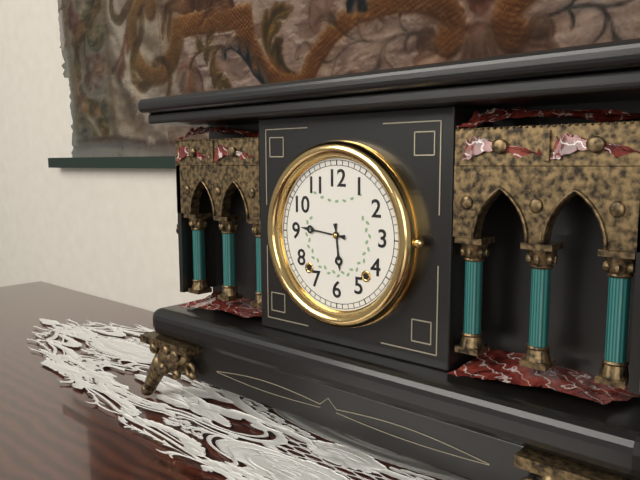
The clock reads h=5 m=46
